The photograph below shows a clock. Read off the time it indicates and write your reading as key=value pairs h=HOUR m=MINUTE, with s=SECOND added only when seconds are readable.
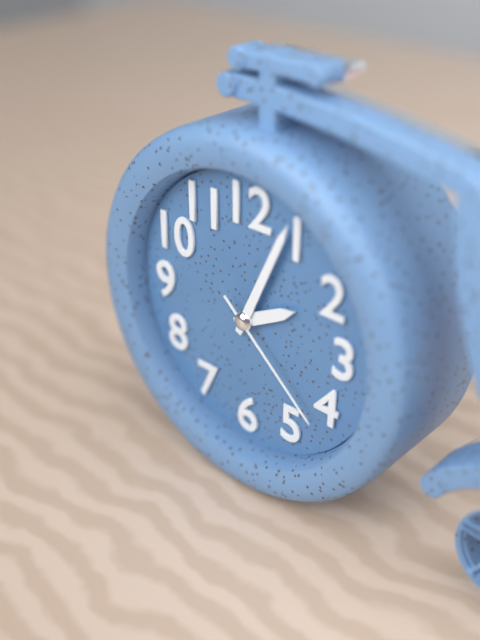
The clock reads h=2 m=4 s=22
